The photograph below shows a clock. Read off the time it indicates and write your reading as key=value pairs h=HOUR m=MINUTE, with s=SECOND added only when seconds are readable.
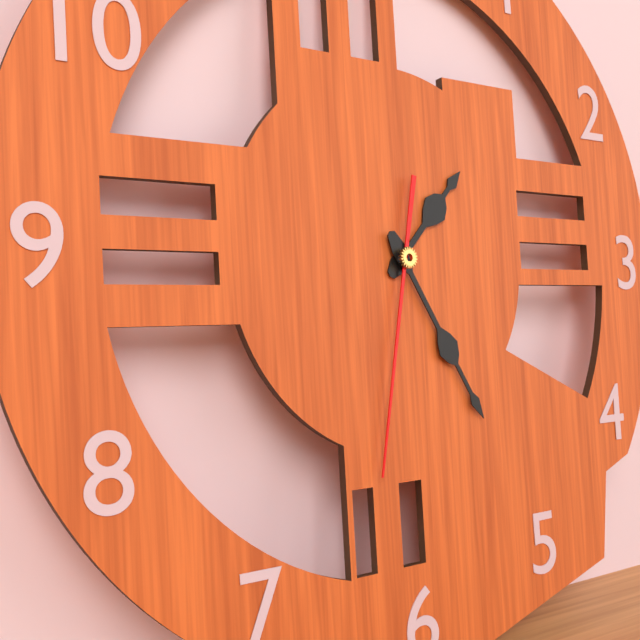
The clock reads h=1 m=25 s=32
